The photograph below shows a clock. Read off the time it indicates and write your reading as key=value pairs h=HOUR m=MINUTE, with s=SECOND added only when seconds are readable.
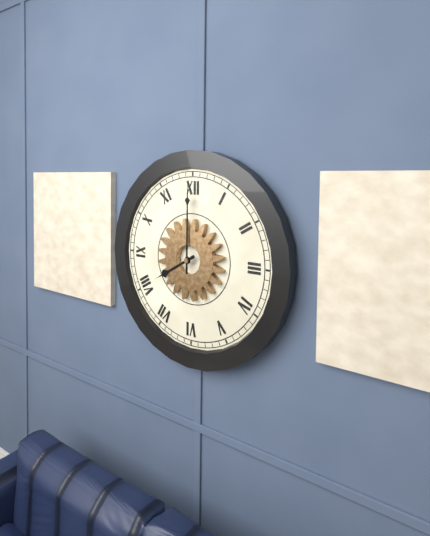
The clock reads h=8 m=0
